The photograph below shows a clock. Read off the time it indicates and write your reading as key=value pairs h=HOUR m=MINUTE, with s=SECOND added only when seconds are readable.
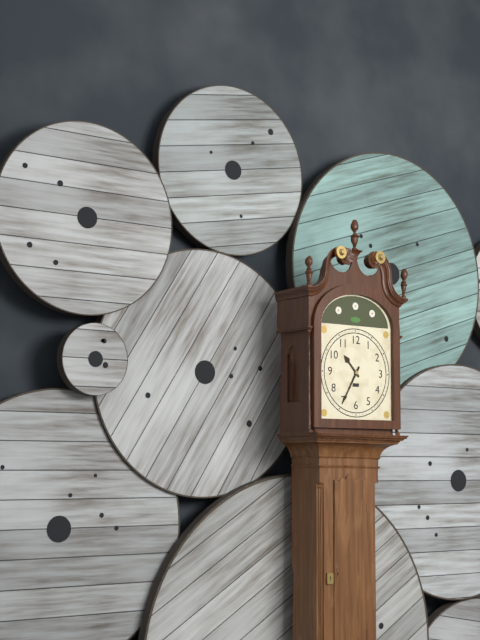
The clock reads h=10 m=35
